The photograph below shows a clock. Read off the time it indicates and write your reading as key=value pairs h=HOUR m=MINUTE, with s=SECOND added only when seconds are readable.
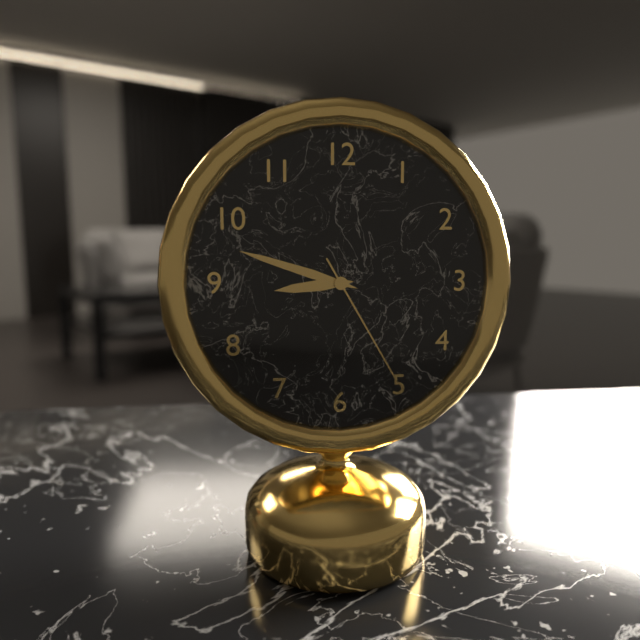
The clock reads h=8 m=48 s=25
